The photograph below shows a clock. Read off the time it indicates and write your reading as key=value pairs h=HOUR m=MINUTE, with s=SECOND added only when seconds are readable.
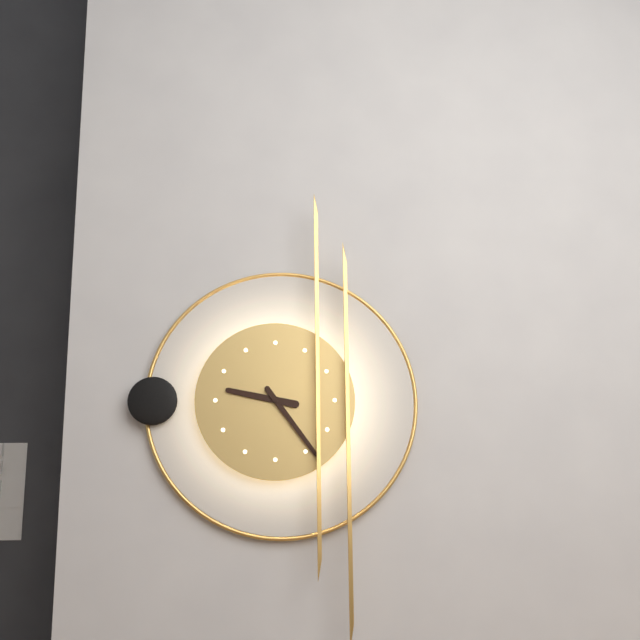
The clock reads h=9 m=24
